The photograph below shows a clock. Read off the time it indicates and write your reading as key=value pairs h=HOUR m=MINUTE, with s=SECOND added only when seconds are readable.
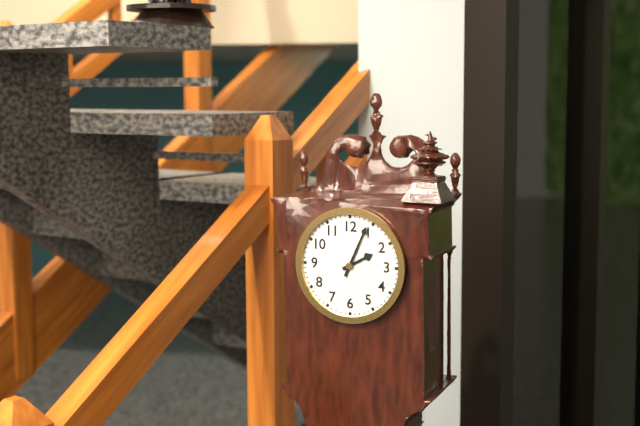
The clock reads h=2 m=4
